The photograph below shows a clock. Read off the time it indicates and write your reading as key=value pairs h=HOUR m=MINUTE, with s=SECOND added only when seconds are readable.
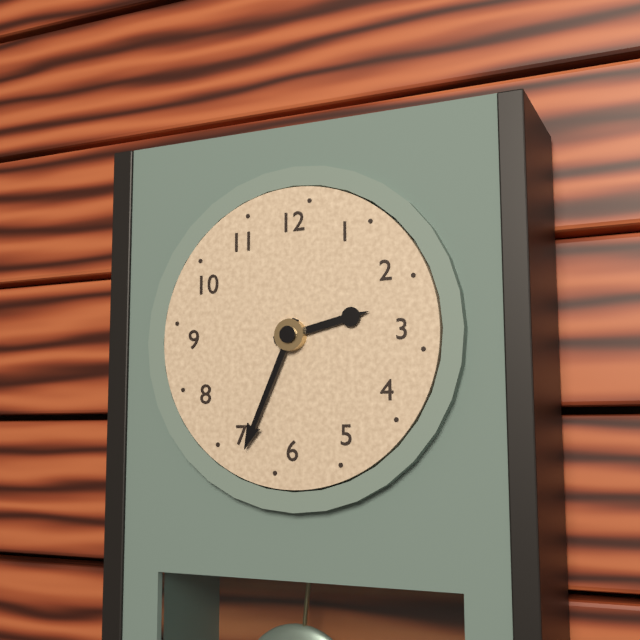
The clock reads h=2 m=34
